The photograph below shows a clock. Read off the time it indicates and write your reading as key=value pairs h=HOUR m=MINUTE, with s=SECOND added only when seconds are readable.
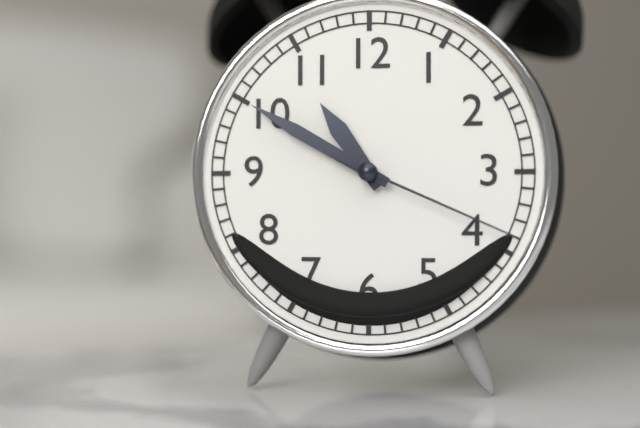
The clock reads h=10 m=50 s=19
